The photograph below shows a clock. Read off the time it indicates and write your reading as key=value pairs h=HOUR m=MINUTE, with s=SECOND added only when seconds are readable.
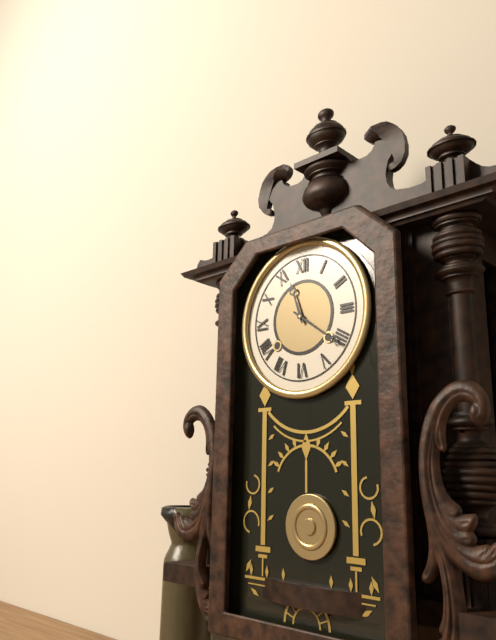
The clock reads h=11 m=21
